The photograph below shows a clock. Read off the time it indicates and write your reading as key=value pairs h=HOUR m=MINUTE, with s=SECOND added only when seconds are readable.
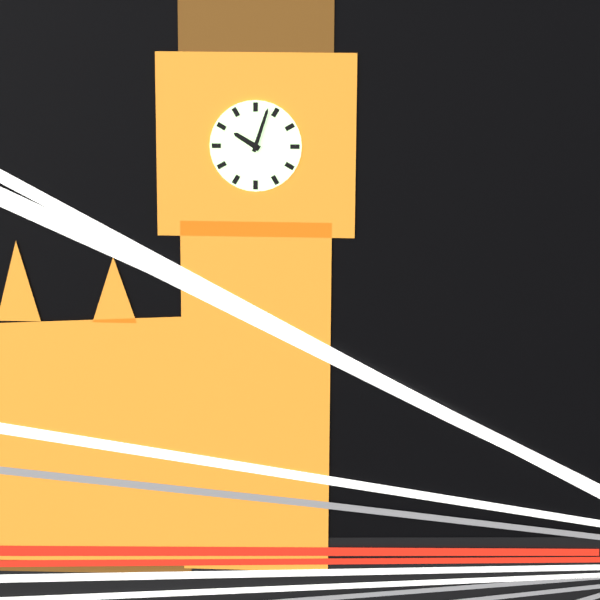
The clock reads h=10 m=3
